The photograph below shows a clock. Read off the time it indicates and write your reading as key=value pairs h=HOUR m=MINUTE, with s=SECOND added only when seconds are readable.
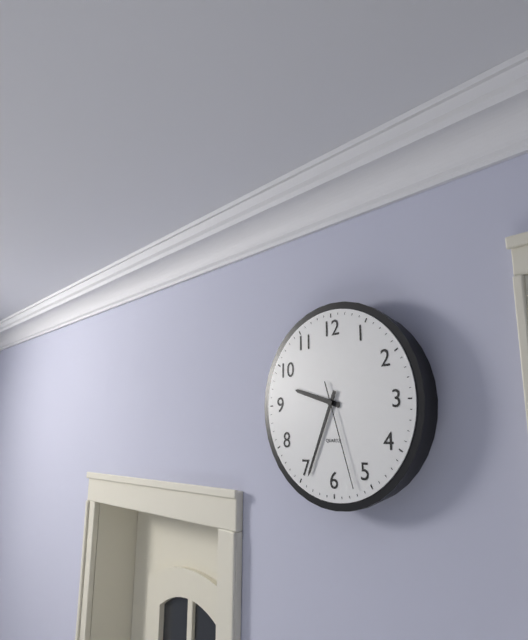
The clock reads h=9 m=34 s=27
